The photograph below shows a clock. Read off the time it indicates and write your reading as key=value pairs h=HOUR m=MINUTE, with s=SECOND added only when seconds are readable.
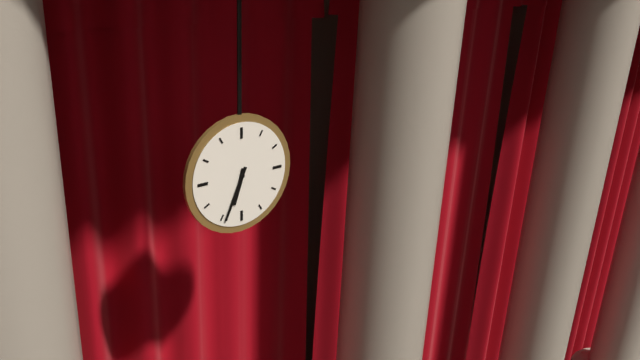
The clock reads h=6 m=34
